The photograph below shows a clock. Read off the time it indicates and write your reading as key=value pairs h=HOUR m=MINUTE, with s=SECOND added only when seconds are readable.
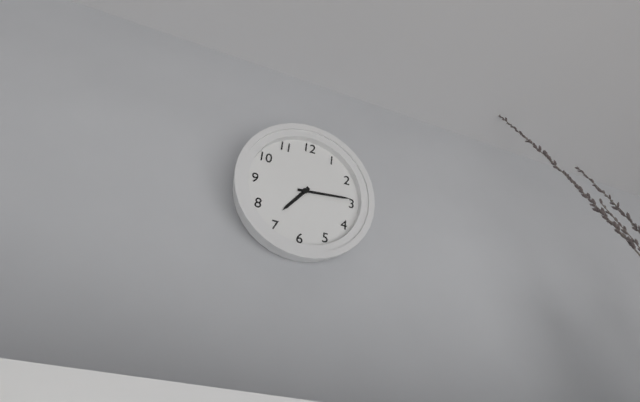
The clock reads h=7 m=14
